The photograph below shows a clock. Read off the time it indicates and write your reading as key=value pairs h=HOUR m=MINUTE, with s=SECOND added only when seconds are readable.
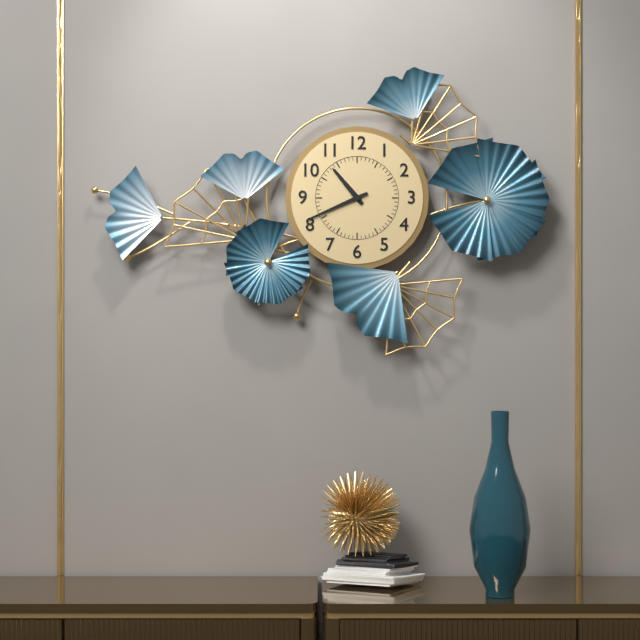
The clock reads h=10 m=41
